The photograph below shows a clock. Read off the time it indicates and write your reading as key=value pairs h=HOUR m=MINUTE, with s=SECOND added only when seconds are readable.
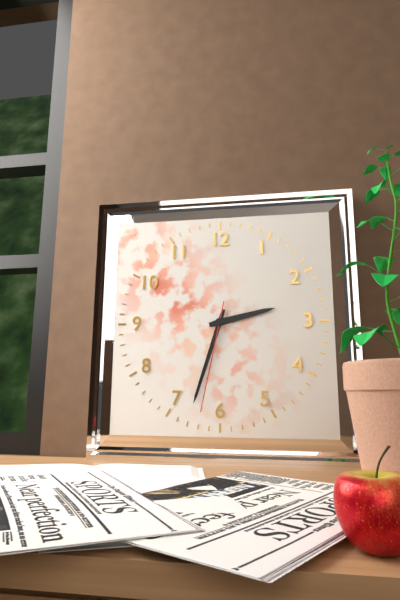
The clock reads h=2 m=33 s=32
